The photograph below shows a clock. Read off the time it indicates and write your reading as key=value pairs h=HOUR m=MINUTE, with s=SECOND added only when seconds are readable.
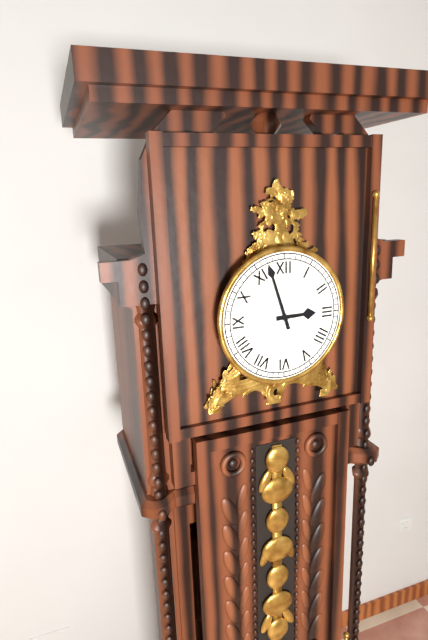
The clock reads h=2 m=57
